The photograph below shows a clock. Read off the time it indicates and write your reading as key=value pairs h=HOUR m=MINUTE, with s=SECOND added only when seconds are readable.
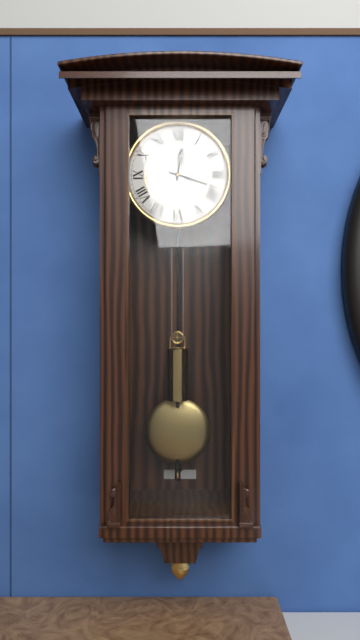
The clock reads h=12 m=18
